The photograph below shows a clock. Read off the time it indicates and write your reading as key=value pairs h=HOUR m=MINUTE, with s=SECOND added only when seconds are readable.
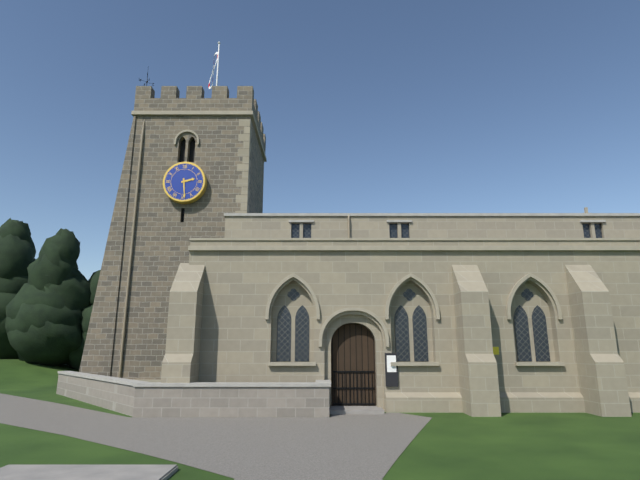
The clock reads h=2 m=29
